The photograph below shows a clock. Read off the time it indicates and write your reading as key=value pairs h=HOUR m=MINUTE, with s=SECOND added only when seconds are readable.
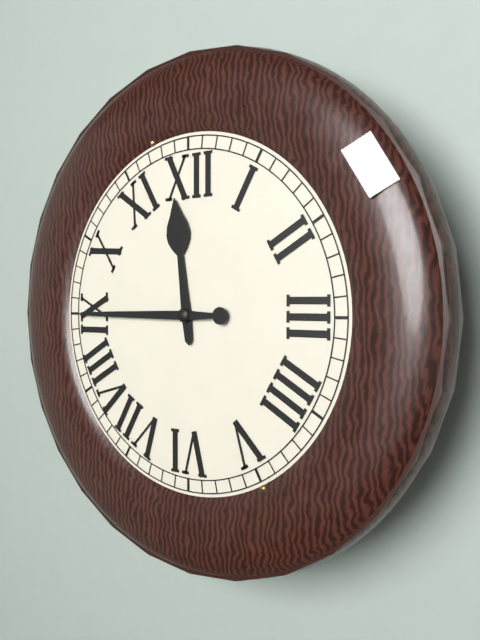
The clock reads h=11 m=45
